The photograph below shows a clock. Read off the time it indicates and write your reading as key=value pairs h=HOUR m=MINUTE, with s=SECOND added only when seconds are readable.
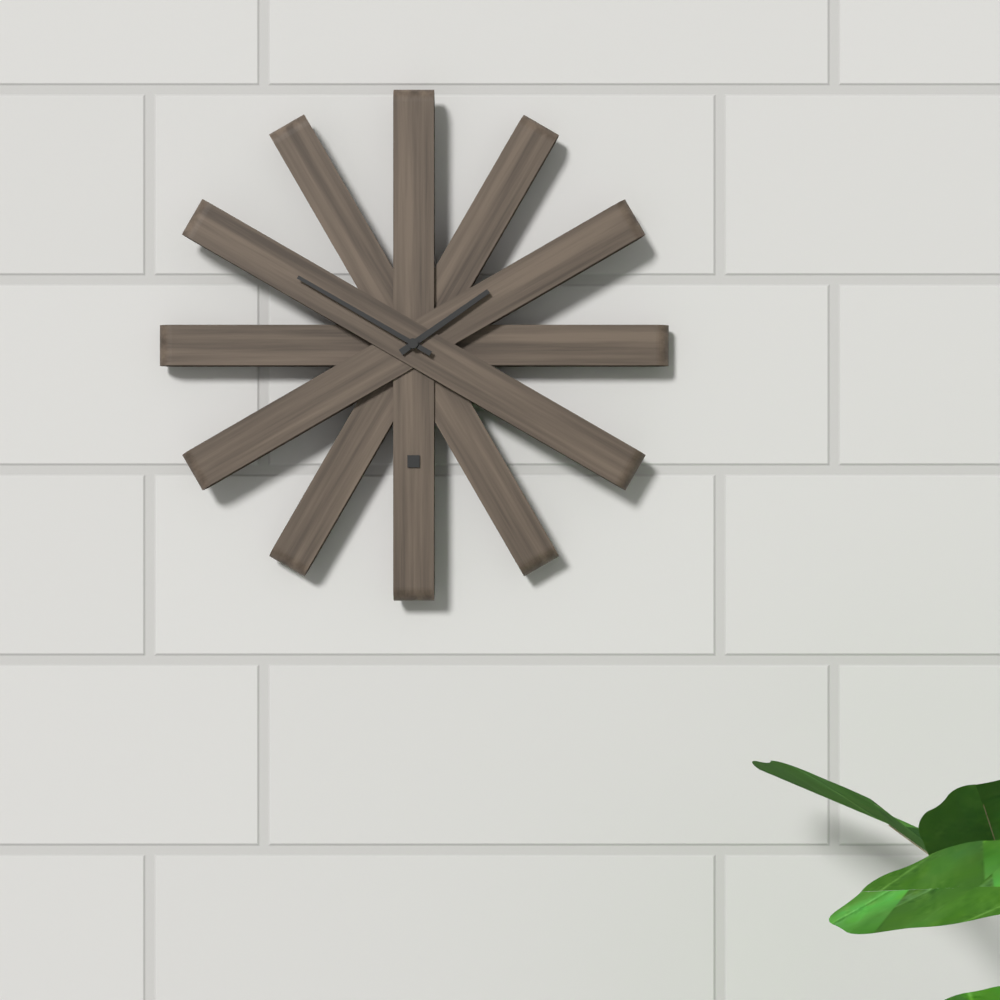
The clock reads h=1 m=50
